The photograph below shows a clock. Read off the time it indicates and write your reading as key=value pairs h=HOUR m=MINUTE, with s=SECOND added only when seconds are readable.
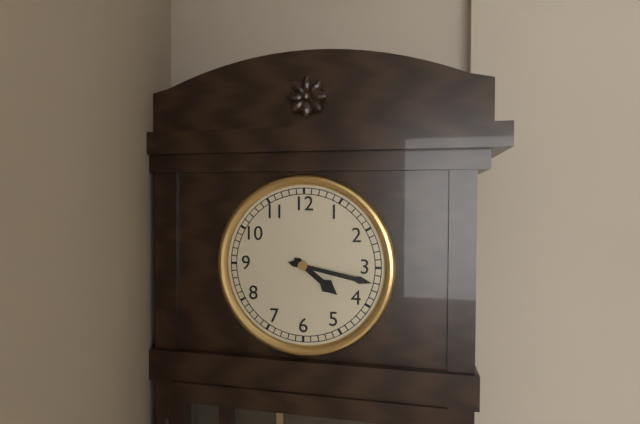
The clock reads h=4 m=17
